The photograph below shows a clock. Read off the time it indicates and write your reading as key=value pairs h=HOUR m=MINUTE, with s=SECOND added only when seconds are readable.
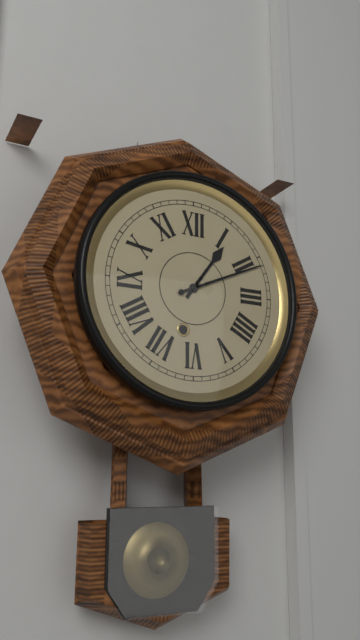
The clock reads h=1 m=11
